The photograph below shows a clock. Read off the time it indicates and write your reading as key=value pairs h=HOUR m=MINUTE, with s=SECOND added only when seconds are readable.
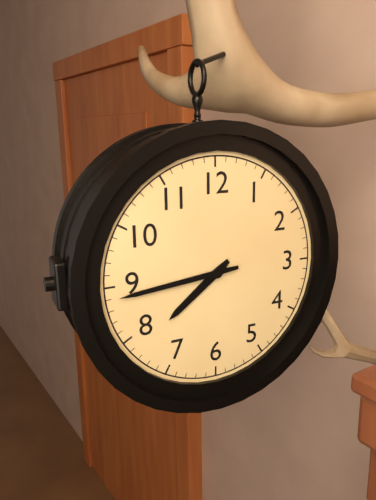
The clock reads h=7 m=44
